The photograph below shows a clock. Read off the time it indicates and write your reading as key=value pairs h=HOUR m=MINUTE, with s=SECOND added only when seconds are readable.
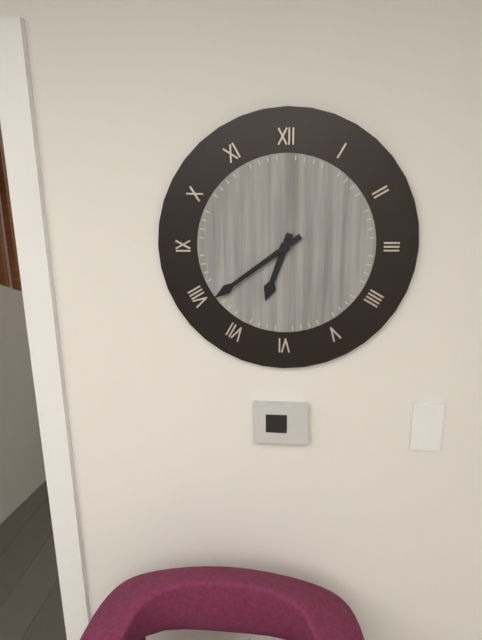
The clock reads h=6 m=39
